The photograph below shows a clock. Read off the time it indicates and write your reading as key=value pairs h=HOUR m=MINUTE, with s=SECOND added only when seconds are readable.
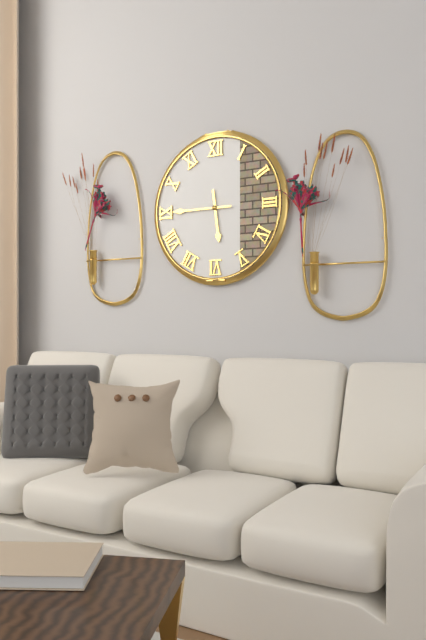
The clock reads h=5 m=45
